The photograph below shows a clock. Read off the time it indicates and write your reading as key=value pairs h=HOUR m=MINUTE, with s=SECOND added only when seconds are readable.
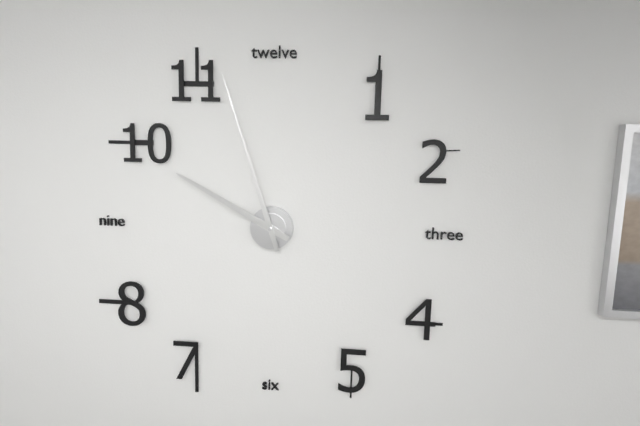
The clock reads h=9 m=57
